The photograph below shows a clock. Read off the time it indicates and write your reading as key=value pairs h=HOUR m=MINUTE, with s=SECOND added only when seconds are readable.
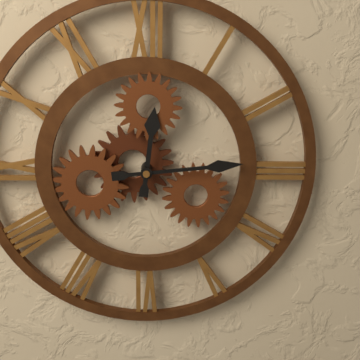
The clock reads h=12 m=14
